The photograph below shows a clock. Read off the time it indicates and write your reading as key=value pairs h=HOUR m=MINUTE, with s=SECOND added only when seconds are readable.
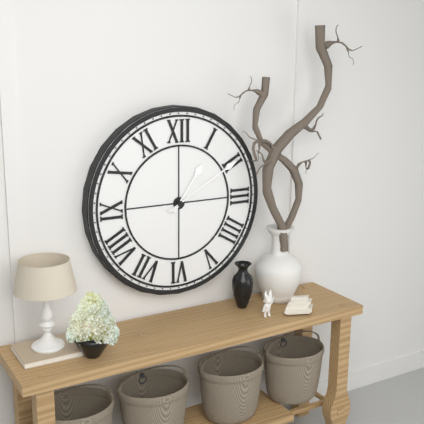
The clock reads h=1 m=10
